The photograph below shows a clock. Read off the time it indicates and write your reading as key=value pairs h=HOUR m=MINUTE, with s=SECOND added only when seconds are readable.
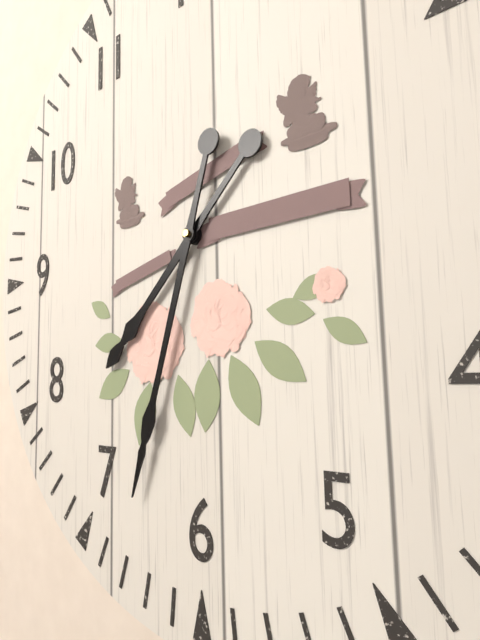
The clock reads h=7 m=33
